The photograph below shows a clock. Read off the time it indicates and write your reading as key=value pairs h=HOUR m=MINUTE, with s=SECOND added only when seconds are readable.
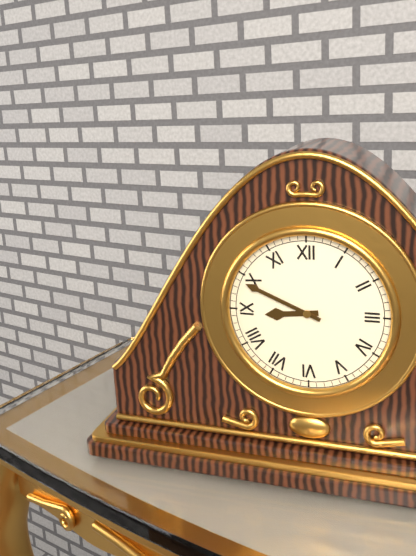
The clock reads h=8 m=49
